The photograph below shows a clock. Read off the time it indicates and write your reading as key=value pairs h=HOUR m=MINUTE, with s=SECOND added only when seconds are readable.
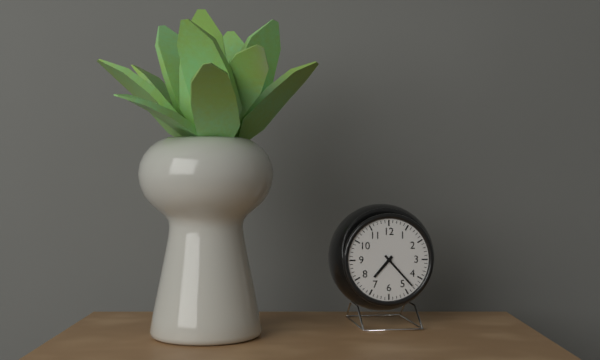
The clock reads h=7 m=23
